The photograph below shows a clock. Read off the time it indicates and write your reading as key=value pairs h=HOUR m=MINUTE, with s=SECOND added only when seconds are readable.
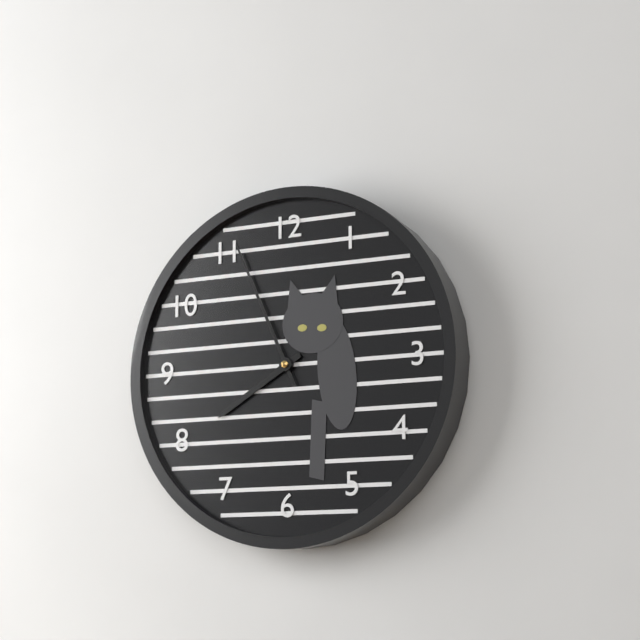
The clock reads h=7 m=56
